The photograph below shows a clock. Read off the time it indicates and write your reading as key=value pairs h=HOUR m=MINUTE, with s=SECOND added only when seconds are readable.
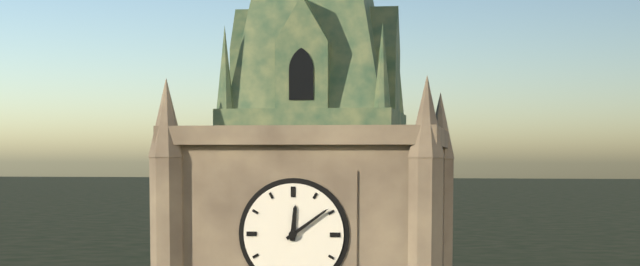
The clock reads h=12 m=9
